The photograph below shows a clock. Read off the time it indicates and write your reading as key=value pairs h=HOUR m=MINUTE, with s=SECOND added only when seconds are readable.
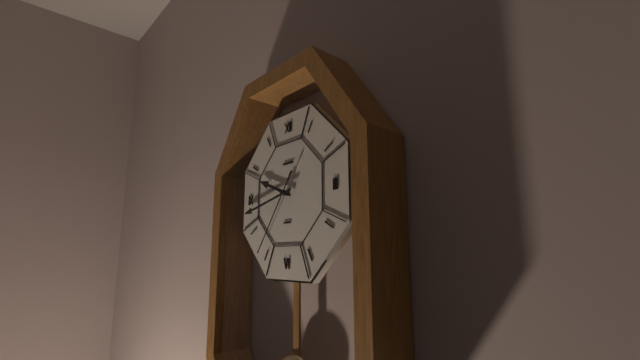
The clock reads h=9 m=43 s=36
